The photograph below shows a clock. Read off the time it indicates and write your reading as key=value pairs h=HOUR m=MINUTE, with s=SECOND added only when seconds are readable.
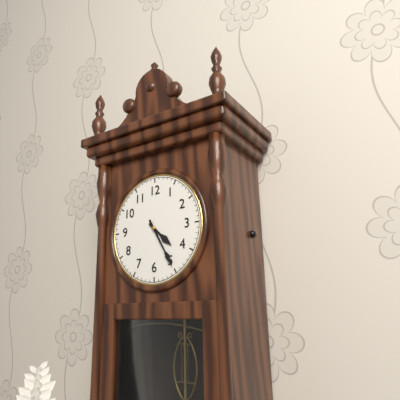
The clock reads h=4 m=25
